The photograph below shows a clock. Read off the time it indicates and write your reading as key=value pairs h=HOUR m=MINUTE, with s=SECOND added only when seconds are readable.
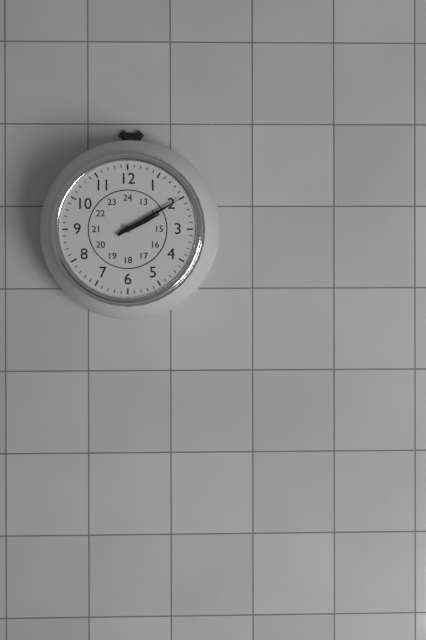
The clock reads h=2 m=10
